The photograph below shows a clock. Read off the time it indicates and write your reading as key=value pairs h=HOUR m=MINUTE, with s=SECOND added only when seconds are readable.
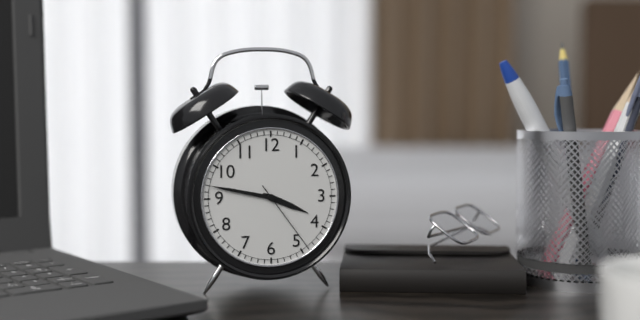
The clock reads h=3 m=47 s=24
